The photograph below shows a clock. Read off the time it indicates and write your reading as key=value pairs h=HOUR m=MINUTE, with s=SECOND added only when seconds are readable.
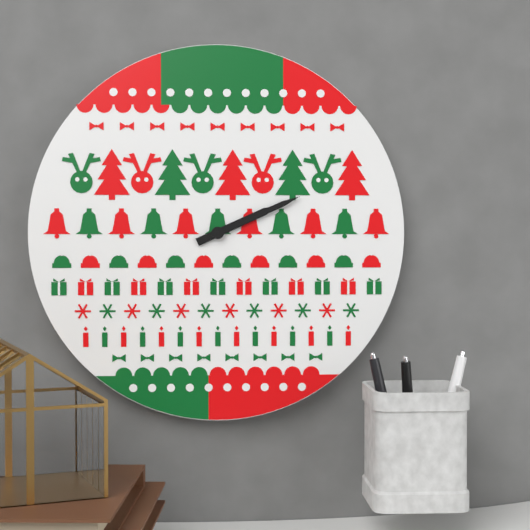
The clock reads h=2 m=11
